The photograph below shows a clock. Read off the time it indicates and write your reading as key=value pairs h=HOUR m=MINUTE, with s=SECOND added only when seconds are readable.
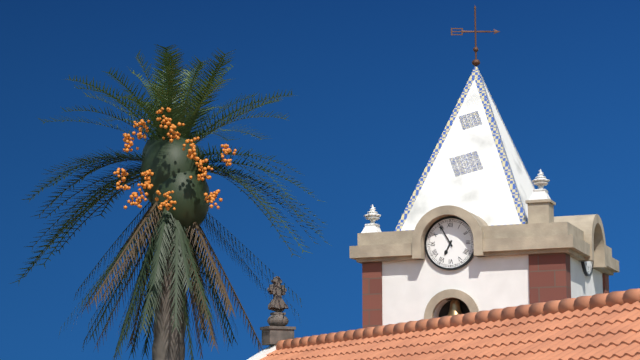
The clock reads h=6 m=55
